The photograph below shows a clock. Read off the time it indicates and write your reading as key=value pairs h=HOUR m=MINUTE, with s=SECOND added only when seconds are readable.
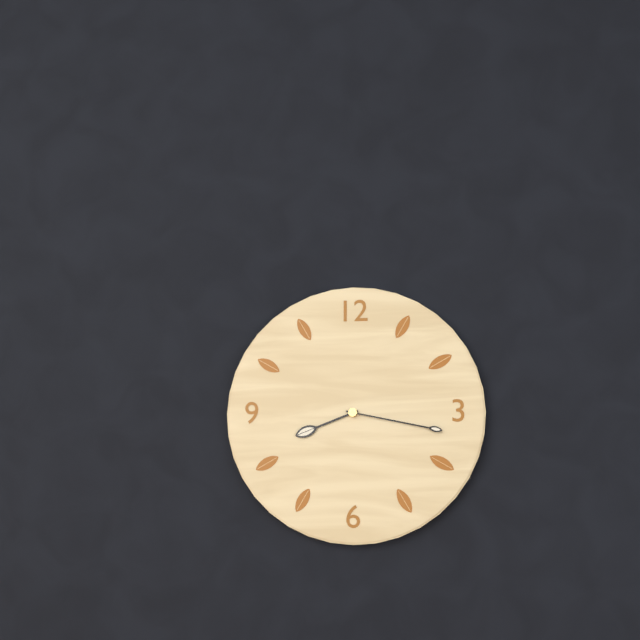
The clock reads h=8 m=17
